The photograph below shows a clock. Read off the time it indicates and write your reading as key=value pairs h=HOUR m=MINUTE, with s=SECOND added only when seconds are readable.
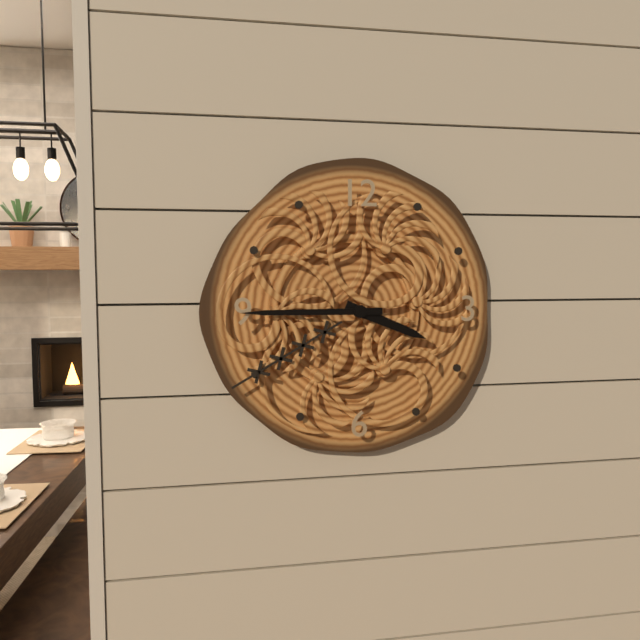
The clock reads h=3 m=45
